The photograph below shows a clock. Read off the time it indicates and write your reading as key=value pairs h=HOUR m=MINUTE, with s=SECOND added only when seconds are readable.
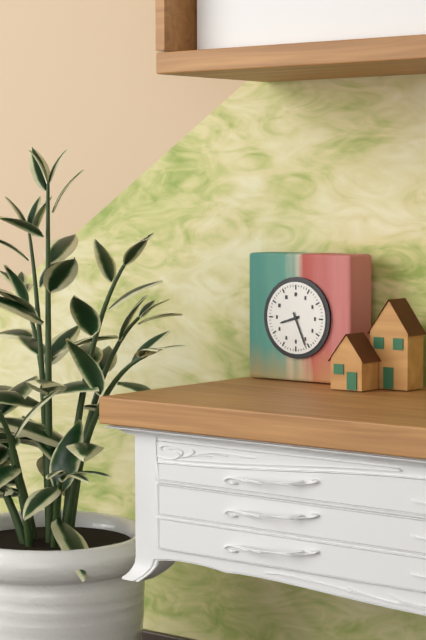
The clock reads h=8 m=26
